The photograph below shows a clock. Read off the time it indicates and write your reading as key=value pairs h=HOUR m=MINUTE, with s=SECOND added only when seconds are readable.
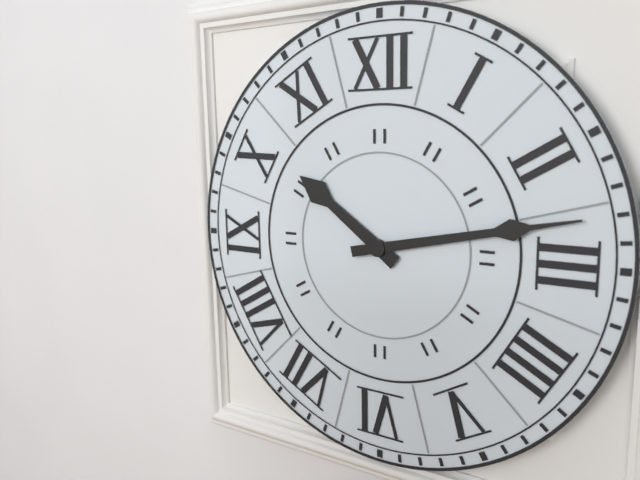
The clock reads h=10 m=13
